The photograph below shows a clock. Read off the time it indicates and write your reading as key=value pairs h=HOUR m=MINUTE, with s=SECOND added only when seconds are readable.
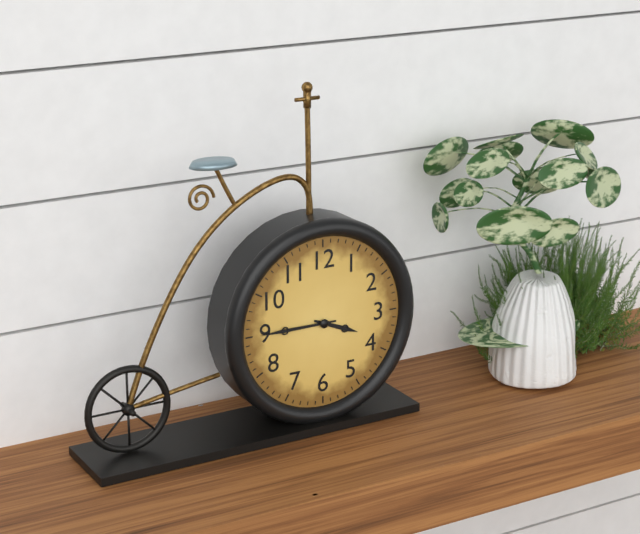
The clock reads h=3 m=45
